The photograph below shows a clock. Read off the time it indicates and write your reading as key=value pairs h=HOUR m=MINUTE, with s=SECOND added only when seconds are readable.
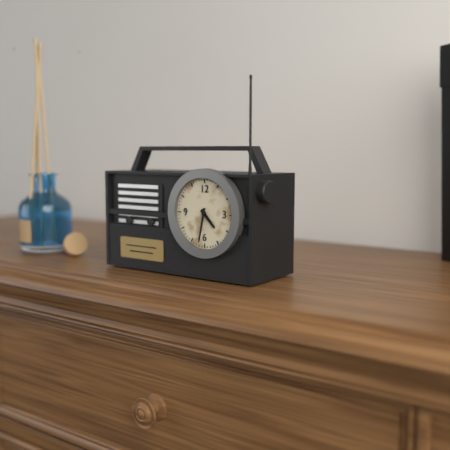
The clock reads h=4 m=32
